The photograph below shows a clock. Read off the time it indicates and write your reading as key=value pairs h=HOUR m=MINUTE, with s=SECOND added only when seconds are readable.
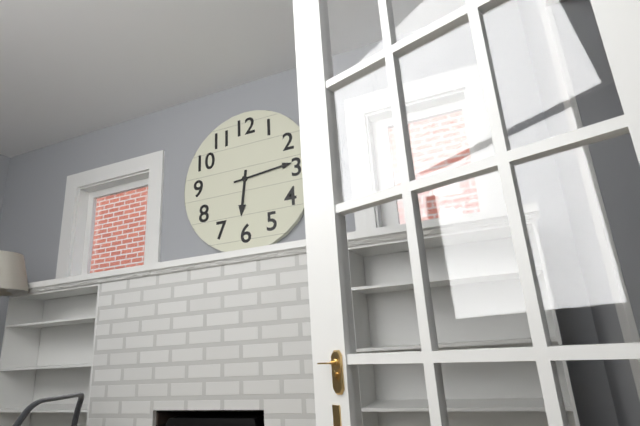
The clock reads h=6 m=14
